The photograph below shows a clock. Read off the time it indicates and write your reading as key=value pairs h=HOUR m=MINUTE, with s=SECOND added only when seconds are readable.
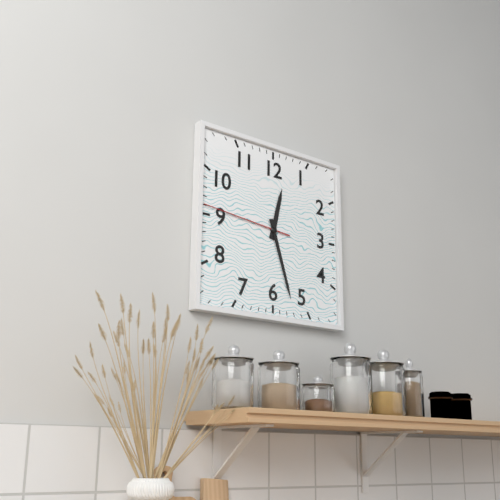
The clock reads h=12 m=27 s=46
